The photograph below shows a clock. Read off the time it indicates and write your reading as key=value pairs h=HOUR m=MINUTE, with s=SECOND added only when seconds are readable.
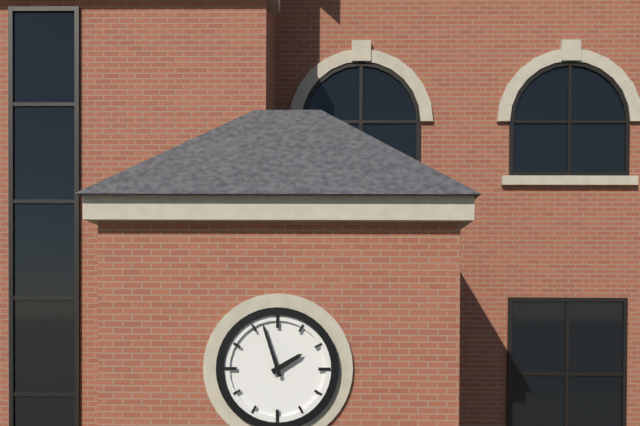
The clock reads h=1 m=57
